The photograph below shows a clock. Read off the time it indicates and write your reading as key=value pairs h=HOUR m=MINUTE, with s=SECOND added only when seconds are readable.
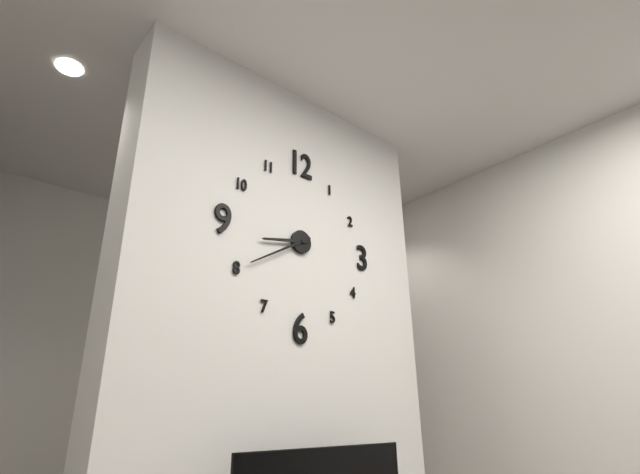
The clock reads h=8 m=40
